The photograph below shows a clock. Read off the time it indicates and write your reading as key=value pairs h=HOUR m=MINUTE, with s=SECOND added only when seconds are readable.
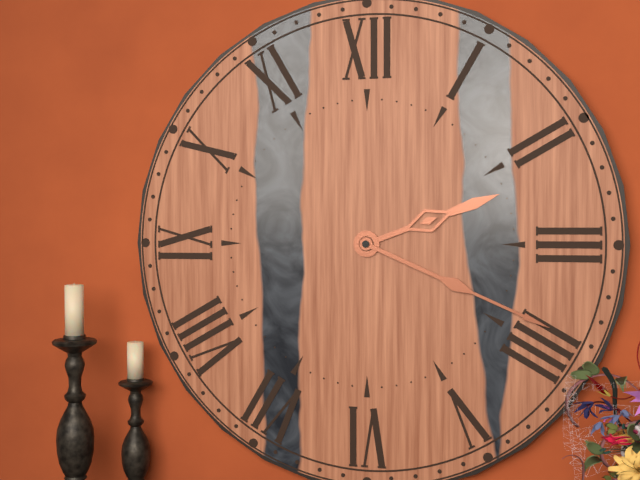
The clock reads h=2 m=19
